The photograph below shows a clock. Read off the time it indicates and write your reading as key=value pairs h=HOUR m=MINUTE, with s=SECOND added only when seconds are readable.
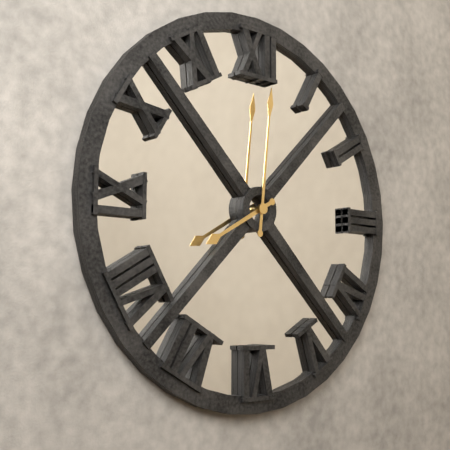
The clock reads h=8 m=1
